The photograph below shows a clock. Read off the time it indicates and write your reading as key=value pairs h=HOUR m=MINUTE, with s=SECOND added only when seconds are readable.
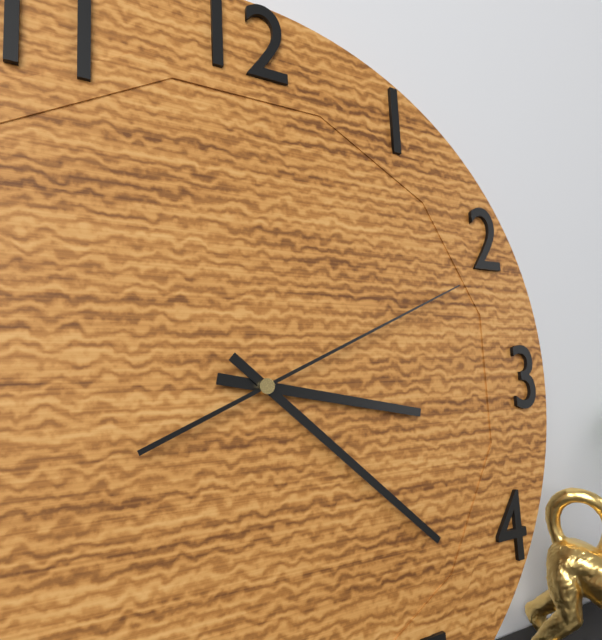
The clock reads h=3 m=22 s=11
